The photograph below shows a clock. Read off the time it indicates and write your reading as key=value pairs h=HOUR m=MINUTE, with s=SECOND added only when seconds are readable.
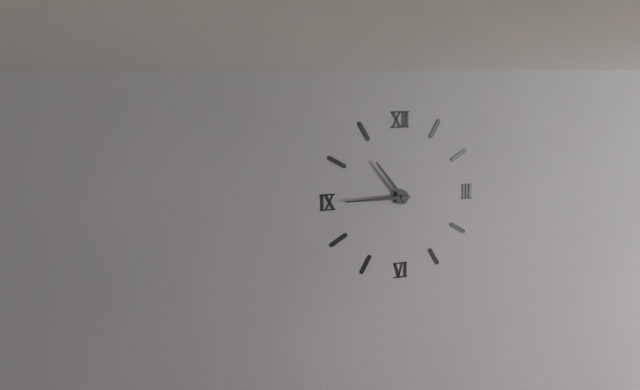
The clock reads h=10 m=45
